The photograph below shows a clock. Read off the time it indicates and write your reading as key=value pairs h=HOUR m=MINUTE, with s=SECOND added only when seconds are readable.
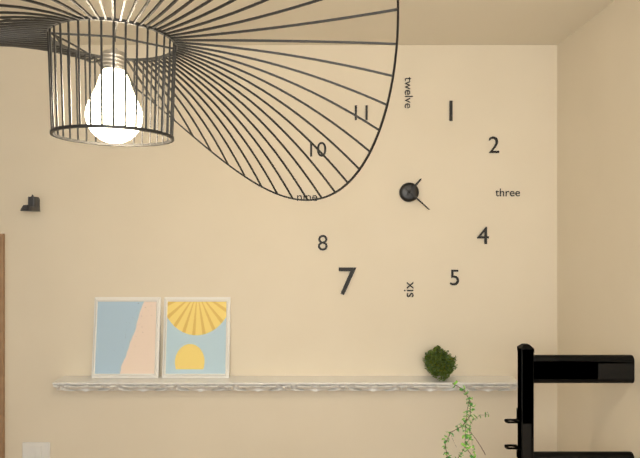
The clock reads h=1 m=22
